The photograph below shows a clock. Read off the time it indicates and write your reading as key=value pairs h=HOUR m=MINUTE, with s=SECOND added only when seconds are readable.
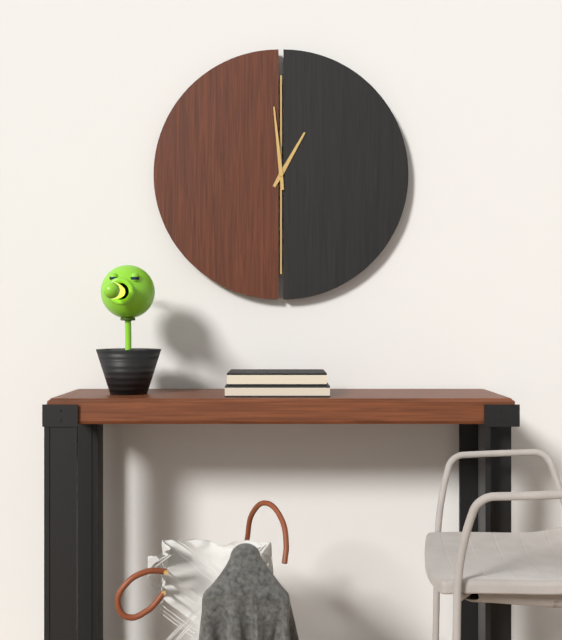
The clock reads h=12 m=59
